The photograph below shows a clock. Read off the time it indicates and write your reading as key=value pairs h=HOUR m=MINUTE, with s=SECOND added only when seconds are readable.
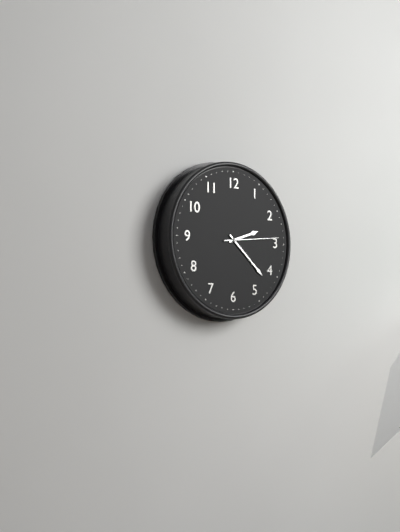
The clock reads h=2 m=22 s=14
